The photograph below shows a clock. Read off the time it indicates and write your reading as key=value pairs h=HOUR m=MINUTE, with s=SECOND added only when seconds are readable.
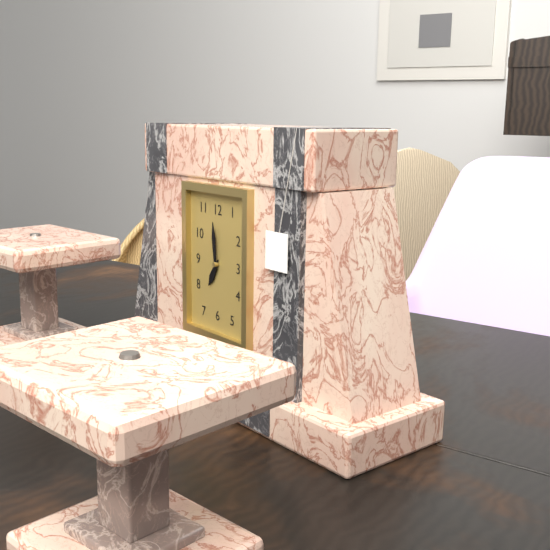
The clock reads h=6 m=59
